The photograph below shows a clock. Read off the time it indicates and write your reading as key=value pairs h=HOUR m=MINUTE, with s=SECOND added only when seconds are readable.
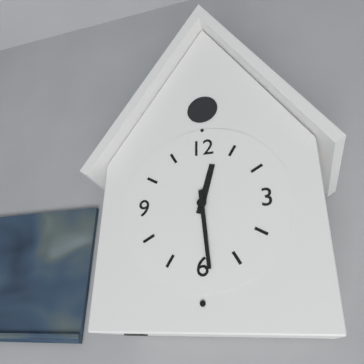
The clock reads h=12 m=29
